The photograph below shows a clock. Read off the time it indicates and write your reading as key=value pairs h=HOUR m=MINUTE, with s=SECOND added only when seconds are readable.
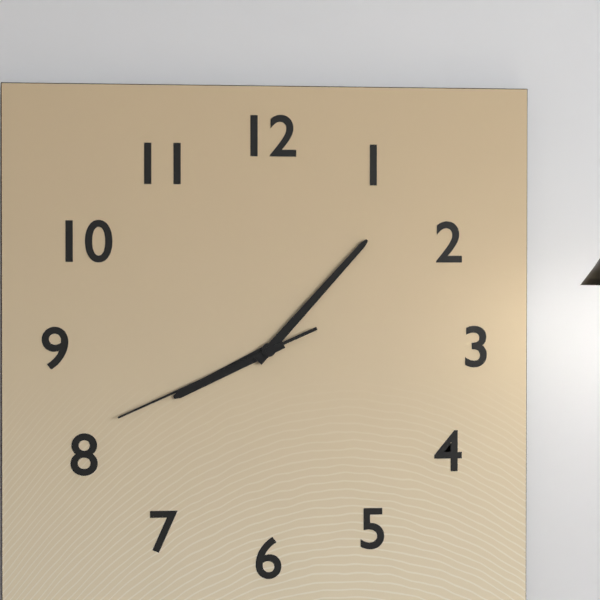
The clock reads h=8 m=7 s=41
